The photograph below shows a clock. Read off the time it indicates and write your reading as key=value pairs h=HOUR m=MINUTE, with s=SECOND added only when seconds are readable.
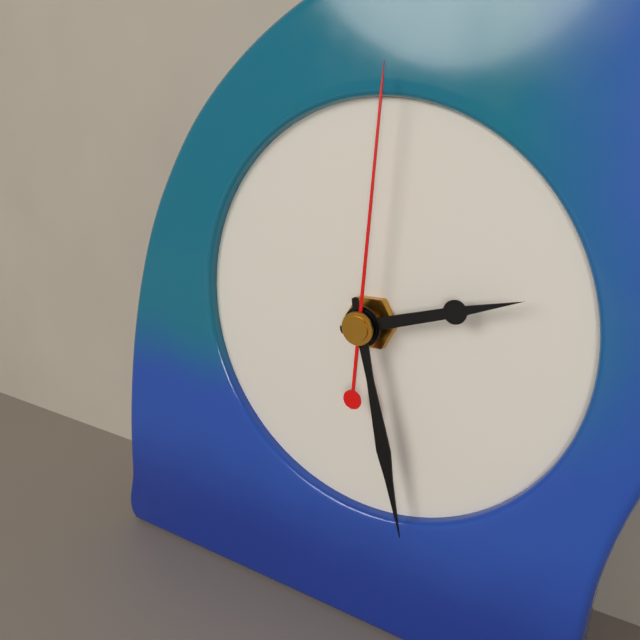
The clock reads h=2 m=28 s=1
